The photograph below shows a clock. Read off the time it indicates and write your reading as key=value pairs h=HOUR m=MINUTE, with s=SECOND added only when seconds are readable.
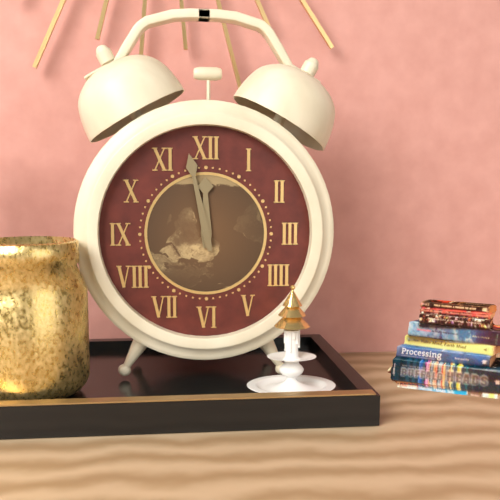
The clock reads h=11 m=58
